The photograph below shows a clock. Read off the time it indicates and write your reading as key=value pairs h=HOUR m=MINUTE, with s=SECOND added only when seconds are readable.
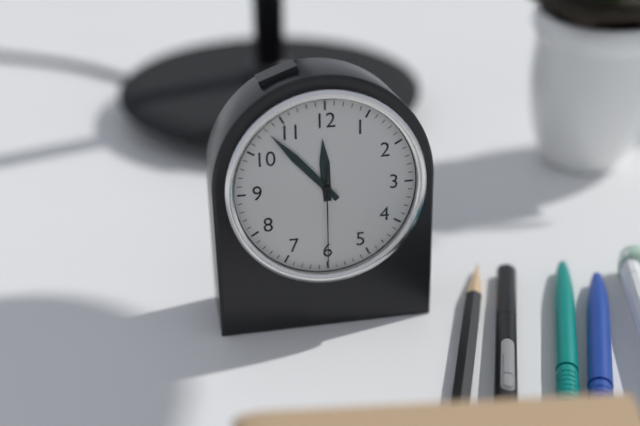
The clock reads h=11 m=53 s=30
